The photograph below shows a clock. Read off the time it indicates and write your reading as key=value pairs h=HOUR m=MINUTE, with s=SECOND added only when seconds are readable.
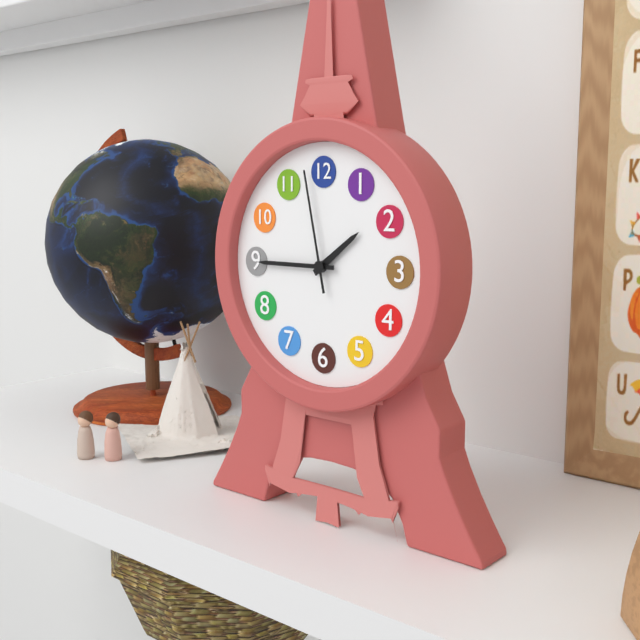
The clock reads h=1 m=45 s=58
